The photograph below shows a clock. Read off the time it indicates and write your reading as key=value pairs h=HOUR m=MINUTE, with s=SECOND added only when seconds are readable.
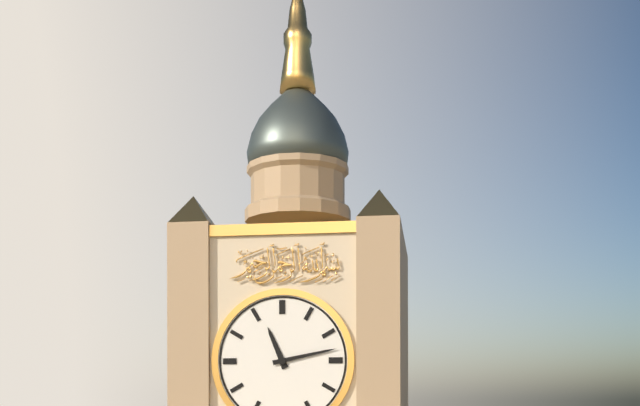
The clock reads h=11 m=13
